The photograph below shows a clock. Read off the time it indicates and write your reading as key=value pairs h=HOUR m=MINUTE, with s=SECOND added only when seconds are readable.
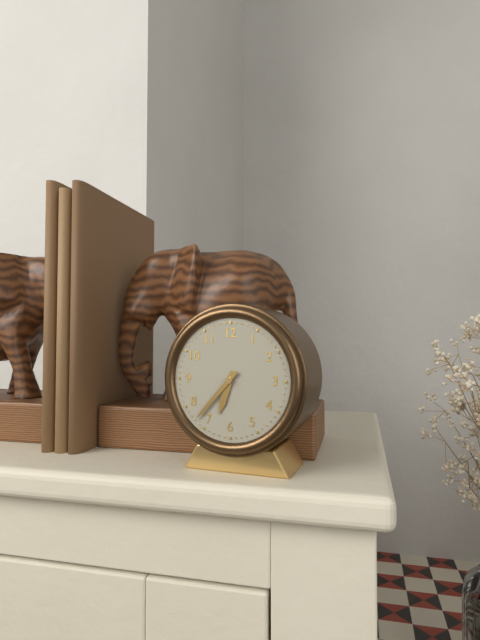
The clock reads h=6 m=37
